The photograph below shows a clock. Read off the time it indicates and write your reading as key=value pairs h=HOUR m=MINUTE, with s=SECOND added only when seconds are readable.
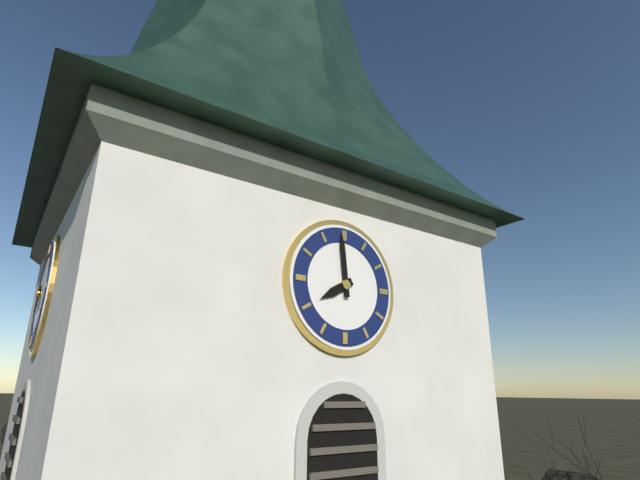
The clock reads h=7 m=59
